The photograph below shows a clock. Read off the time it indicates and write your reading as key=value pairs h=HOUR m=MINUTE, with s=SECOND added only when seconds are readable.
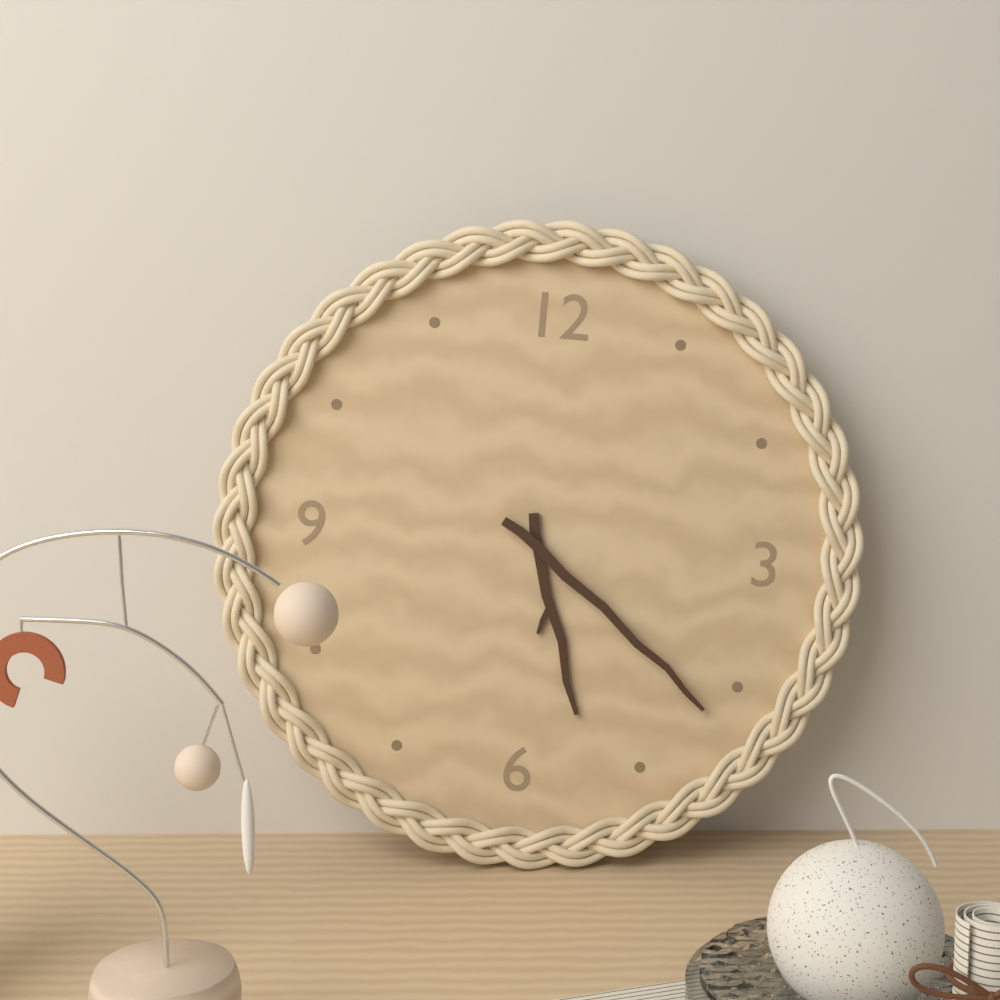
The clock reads h=5 m=21
